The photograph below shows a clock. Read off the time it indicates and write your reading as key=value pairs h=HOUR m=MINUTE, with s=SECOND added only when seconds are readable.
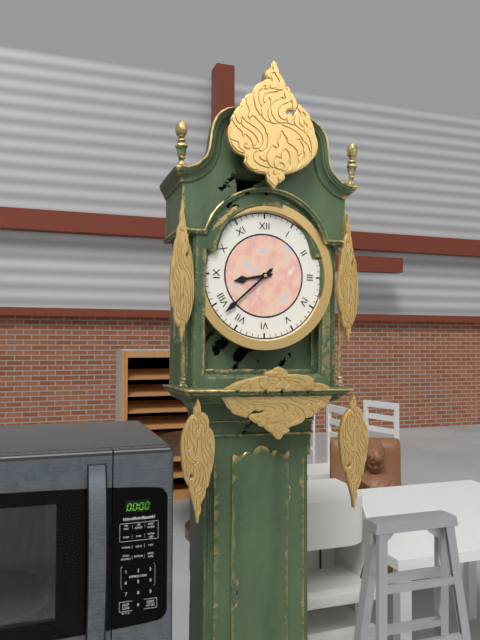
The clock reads h=8 m=38
